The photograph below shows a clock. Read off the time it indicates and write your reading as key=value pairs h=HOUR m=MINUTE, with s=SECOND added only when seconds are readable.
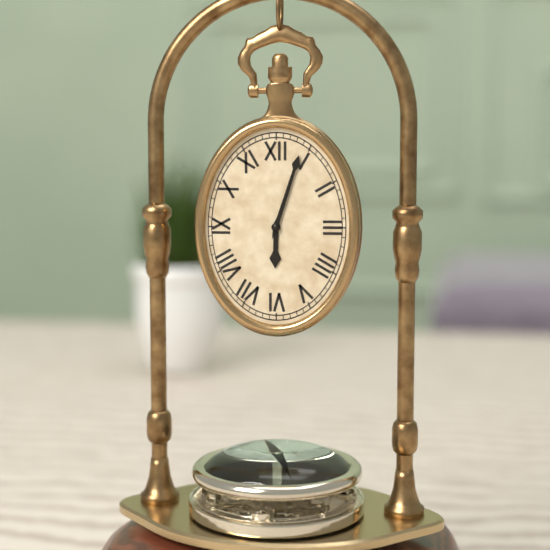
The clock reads h=6 m=3
